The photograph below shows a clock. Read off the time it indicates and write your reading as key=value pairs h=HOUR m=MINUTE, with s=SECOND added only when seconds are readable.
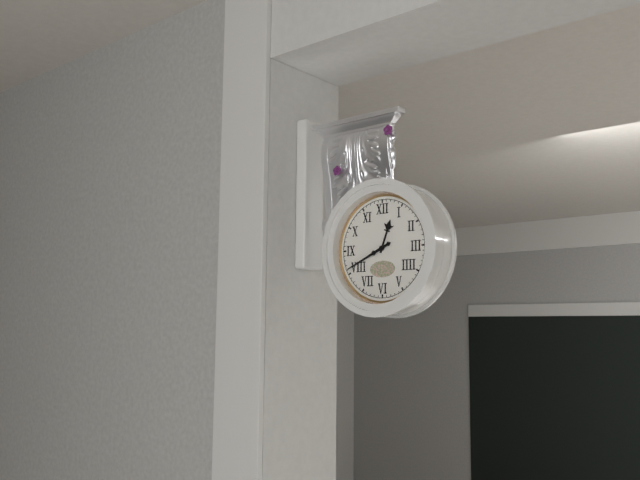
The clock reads h=12 m=41
